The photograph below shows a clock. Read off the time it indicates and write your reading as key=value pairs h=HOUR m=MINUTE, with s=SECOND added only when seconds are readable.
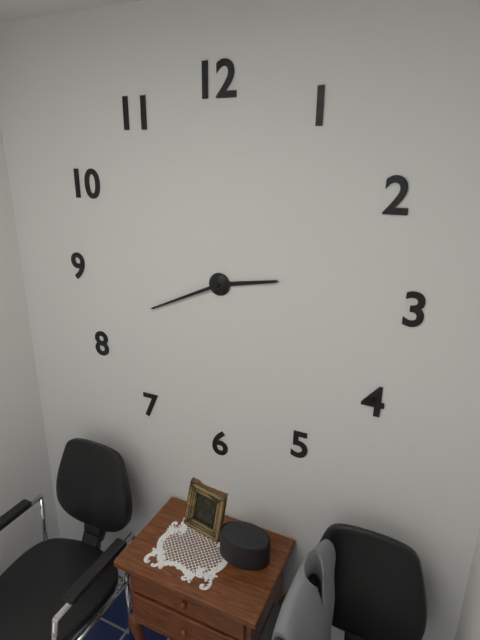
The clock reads h=2 m=41
